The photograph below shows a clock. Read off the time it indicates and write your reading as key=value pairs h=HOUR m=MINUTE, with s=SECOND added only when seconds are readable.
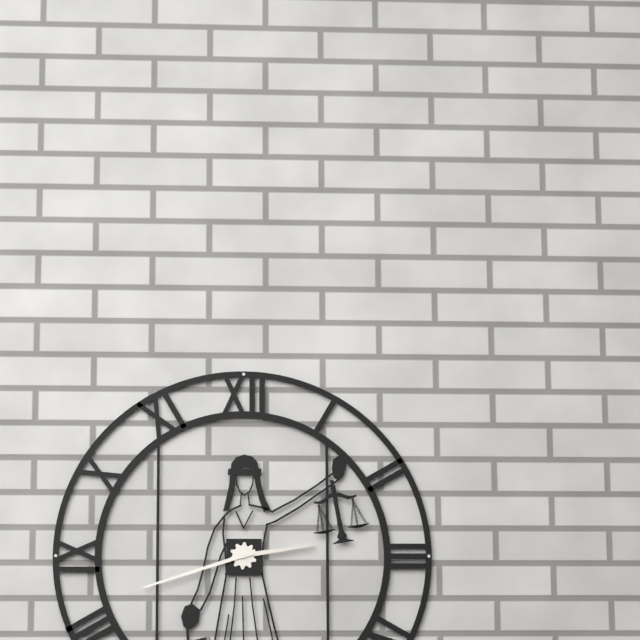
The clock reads h=2 m=42
